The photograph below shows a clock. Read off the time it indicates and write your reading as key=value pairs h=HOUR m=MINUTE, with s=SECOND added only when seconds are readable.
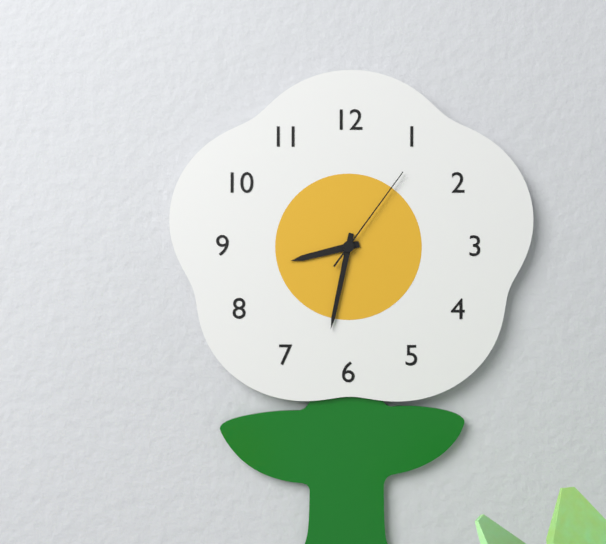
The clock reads h=8 m=32 s=6
